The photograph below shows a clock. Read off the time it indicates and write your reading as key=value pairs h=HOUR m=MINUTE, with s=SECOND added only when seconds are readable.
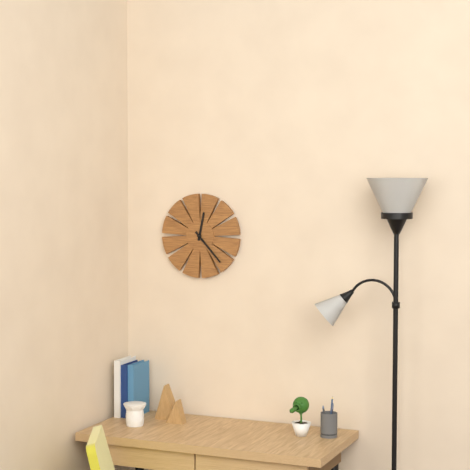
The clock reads h=12 m=23
